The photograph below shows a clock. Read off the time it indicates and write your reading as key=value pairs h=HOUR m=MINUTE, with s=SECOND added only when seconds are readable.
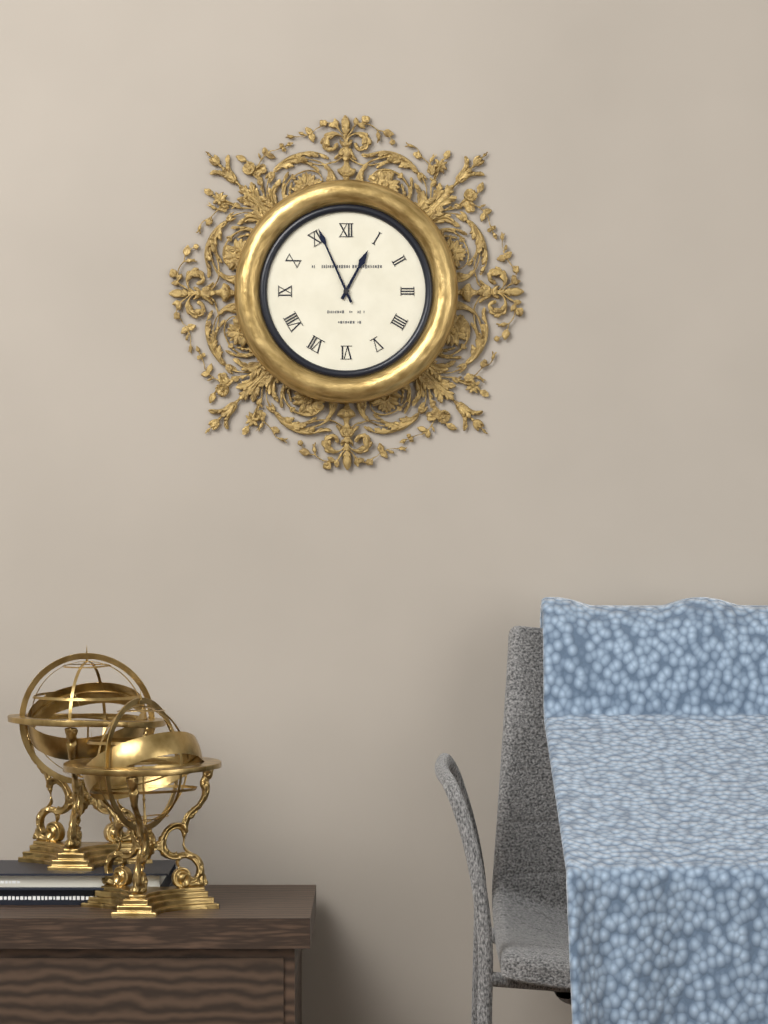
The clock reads h=12 m=56
